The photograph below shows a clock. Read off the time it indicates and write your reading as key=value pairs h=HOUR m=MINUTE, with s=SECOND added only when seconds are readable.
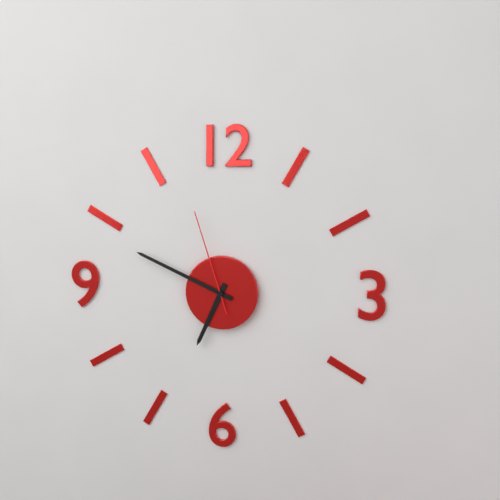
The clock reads h=6 m=49 s=57
